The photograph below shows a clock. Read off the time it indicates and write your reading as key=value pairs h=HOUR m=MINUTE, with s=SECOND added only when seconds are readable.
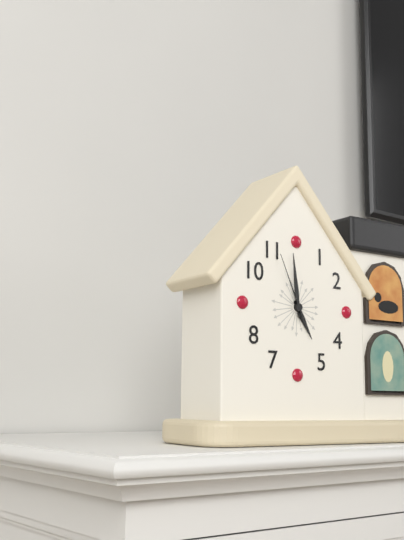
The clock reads h=4 m=59 s=56
